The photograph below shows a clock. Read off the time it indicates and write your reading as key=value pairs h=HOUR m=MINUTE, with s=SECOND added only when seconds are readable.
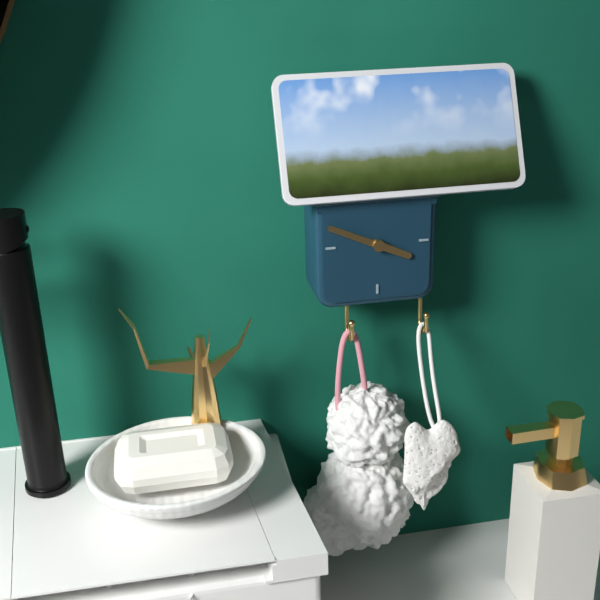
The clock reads h=3 m=49
